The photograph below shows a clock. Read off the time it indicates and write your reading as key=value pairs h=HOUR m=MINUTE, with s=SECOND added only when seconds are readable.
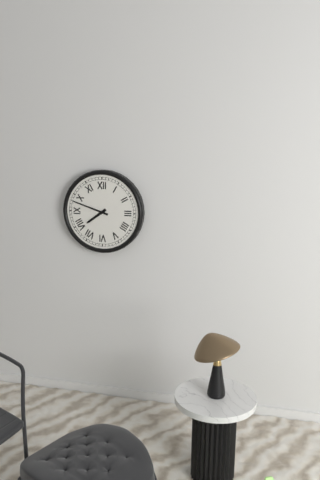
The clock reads h=7 m=48
